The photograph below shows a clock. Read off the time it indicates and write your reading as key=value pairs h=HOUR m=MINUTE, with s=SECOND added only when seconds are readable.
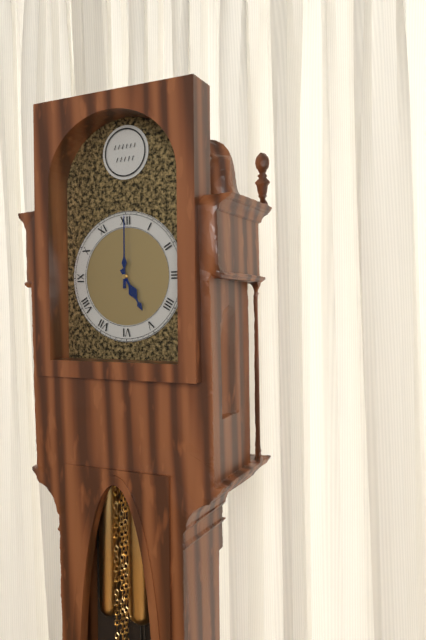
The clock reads h=5 m=0
